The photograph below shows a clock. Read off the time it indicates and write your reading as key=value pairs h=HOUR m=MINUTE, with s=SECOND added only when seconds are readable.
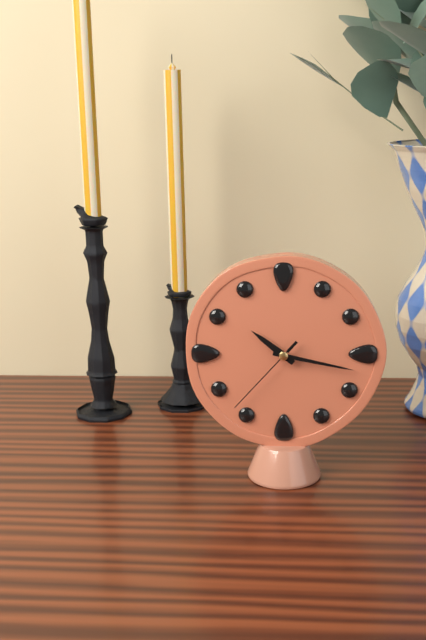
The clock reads h=10 m=17 s=37
